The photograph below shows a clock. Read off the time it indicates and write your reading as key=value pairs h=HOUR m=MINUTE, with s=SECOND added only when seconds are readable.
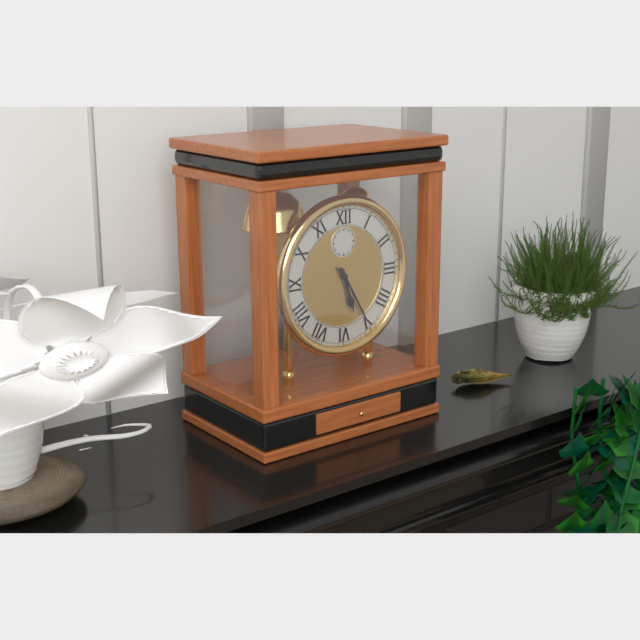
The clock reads h=5 m=25
